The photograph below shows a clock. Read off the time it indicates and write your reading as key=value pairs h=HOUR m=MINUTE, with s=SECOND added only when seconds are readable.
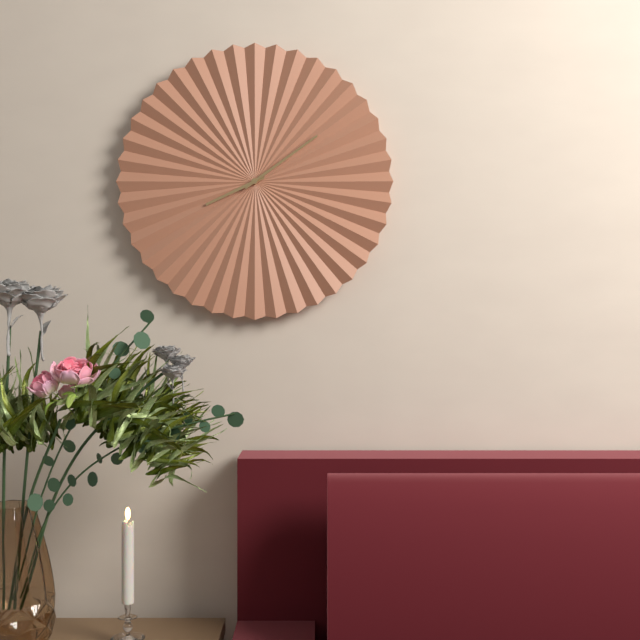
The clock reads h=8 m=9
